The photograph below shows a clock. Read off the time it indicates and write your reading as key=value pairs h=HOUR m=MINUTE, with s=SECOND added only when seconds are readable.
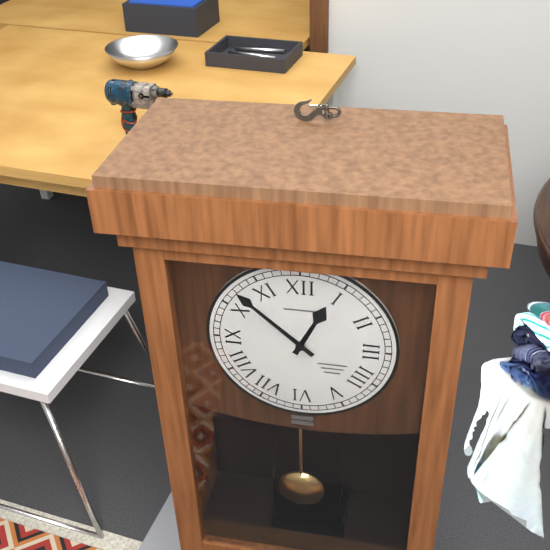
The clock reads h=12 m=52
